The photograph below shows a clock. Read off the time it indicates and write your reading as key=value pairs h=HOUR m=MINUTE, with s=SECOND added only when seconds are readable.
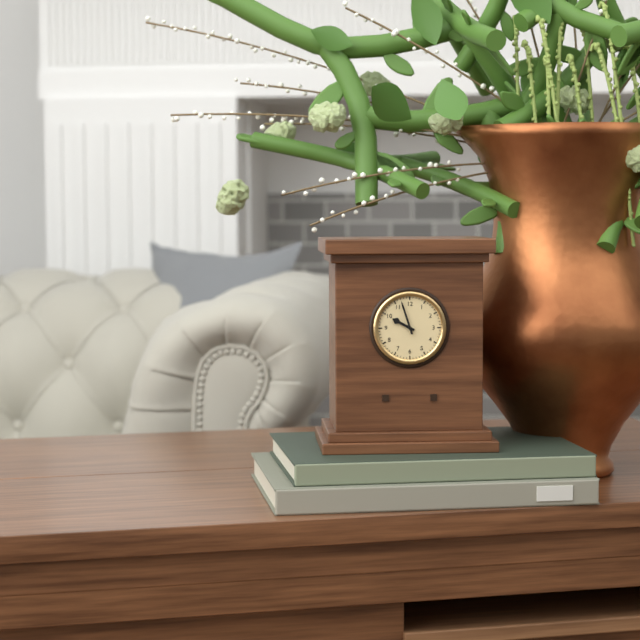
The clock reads h=9 m=57
